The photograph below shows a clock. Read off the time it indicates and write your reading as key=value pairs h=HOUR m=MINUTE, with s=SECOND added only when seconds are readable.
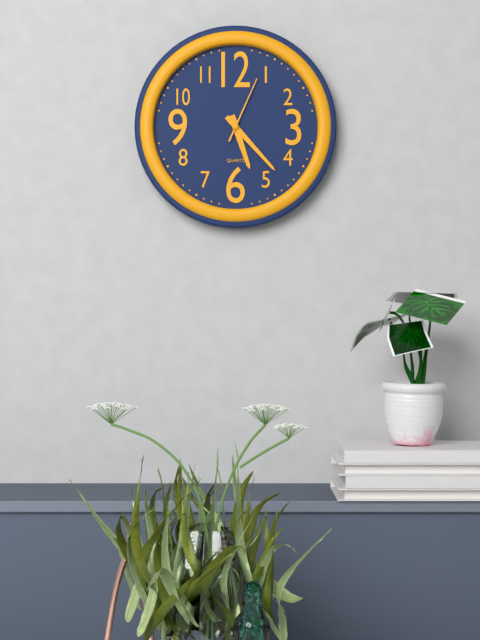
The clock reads h=5 m=23 s=4
